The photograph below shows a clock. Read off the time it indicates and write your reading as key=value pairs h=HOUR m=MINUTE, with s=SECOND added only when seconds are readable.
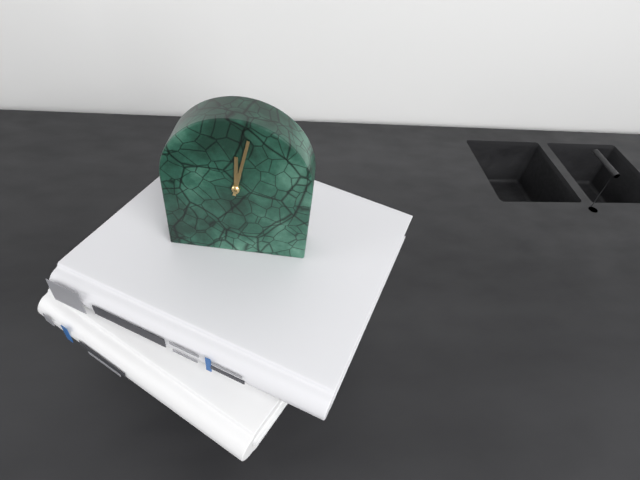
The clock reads h=12 m=2
